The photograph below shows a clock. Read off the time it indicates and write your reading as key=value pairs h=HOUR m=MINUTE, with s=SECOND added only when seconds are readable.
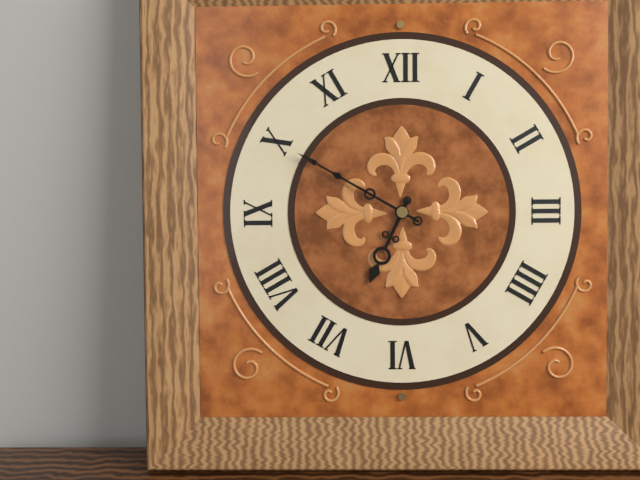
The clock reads h=6 m=50
